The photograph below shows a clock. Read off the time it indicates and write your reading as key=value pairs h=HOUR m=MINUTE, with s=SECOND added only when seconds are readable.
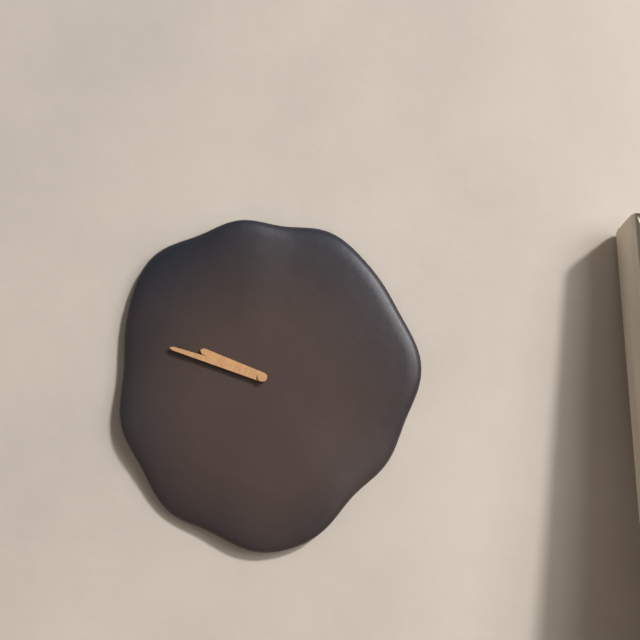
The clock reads h=9 m=48
